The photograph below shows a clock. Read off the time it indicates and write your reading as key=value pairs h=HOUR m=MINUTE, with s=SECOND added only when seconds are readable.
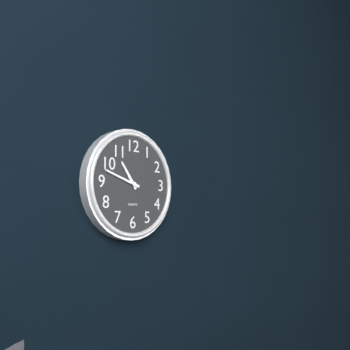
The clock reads h=10 m=48
